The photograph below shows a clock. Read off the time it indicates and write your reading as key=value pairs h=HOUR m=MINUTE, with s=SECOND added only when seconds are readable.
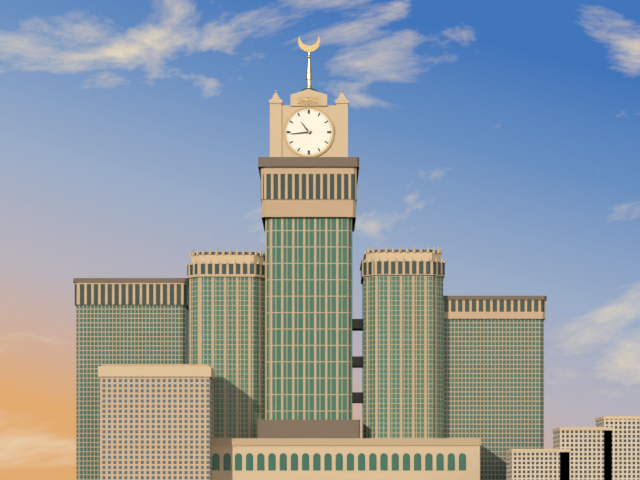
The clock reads h=10 m=44
